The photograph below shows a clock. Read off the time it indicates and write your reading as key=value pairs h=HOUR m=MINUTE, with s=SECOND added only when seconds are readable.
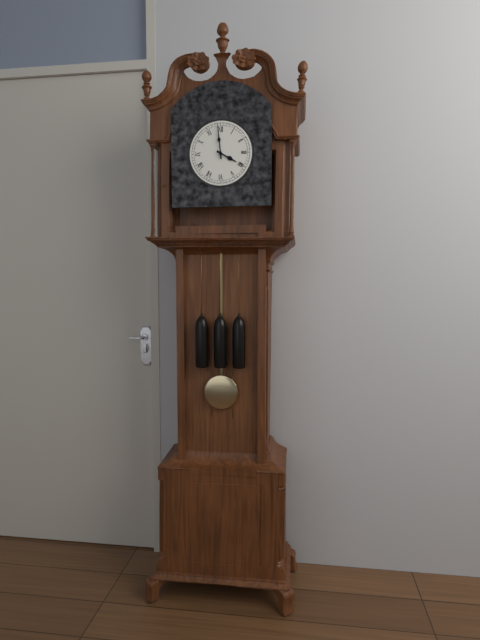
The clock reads h=3 m=59
